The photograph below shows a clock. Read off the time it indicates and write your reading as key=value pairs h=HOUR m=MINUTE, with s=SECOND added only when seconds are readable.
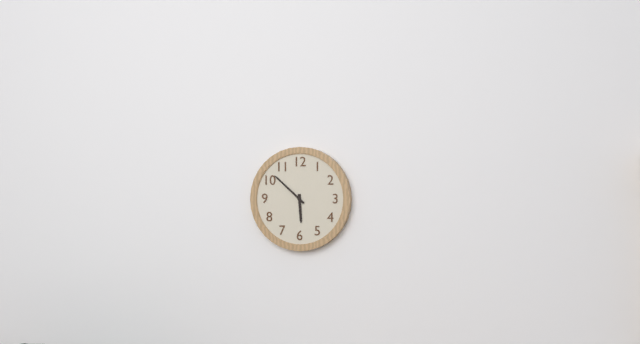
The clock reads h=5 m=52
